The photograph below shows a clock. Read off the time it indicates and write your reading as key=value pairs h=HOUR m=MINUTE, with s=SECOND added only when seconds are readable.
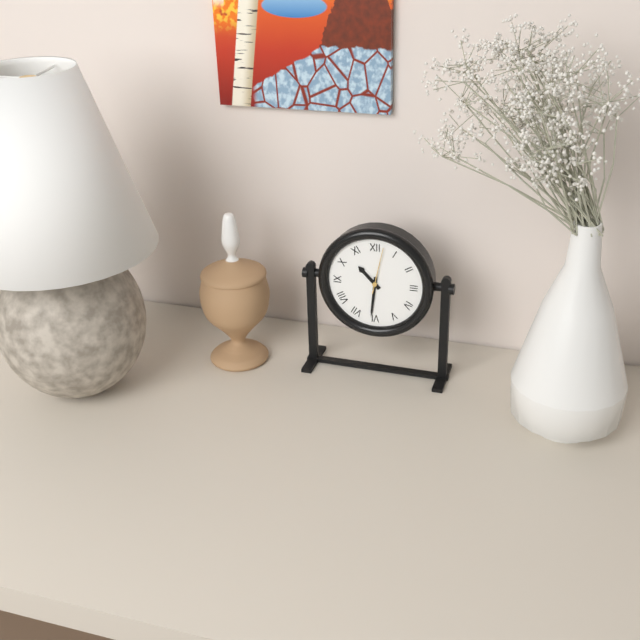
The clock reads h=10 m=31
